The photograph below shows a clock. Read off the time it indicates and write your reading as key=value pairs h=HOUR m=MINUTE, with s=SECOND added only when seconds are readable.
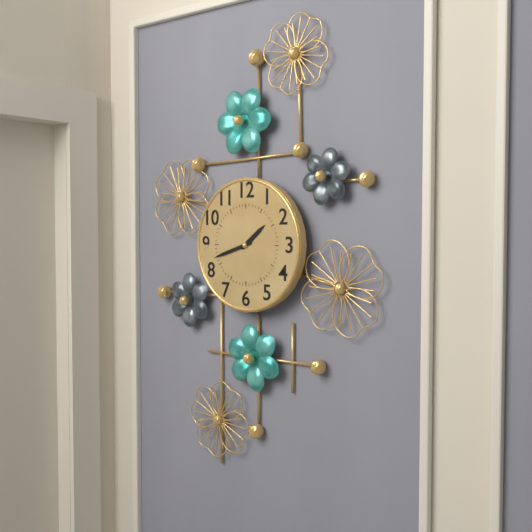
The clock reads h=1 m=42
